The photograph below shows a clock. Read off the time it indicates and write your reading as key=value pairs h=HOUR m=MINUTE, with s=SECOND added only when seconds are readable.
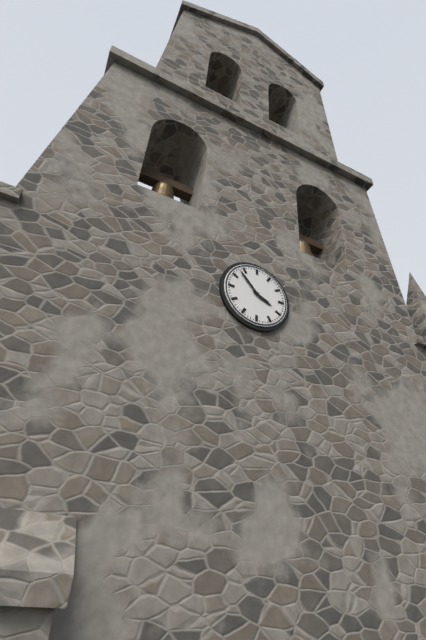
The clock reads h=3 m=53
